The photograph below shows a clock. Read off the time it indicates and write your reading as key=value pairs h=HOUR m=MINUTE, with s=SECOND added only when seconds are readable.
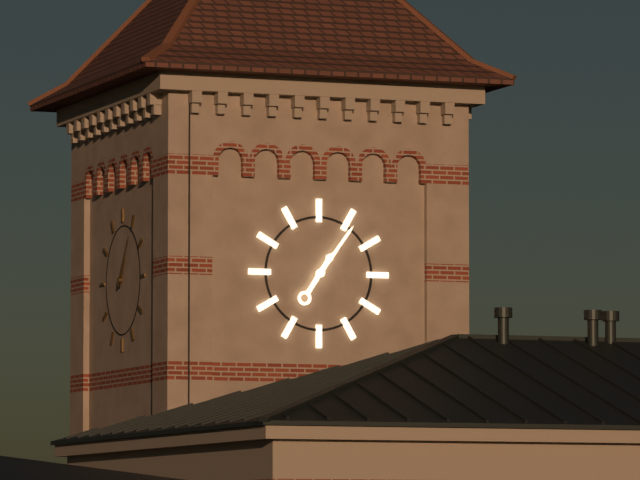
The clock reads h=1 m=6
